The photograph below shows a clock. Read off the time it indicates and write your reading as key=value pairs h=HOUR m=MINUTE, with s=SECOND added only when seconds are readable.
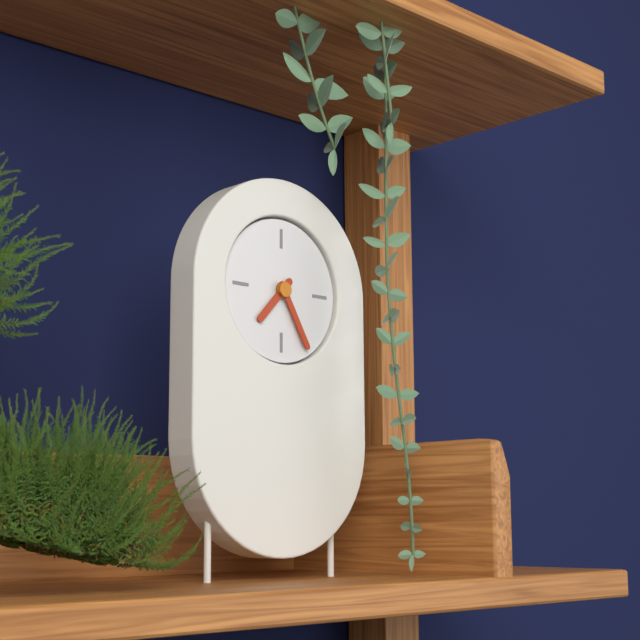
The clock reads h=7 m=25
